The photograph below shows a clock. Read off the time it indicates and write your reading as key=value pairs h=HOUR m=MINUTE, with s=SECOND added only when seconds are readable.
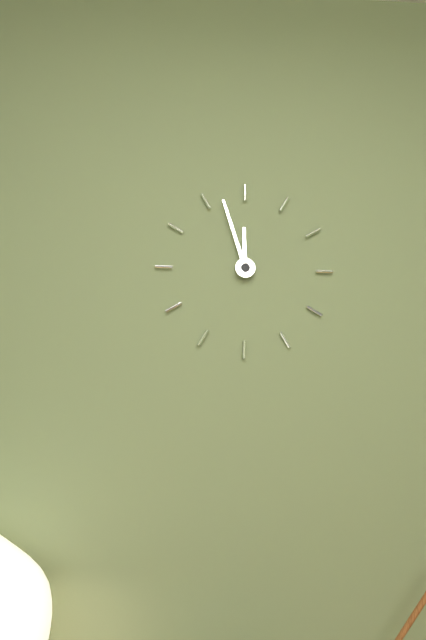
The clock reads h=11 m=57
